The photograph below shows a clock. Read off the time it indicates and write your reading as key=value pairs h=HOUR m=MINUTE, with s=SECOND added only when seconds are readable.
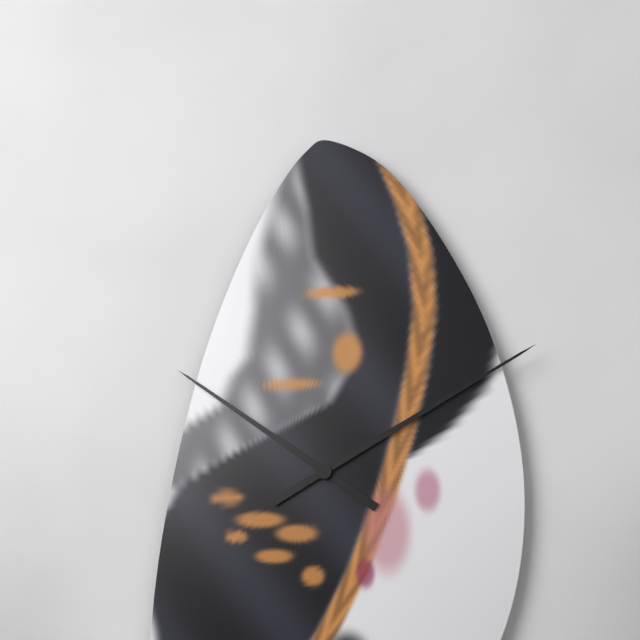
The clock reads h=10 m=10
